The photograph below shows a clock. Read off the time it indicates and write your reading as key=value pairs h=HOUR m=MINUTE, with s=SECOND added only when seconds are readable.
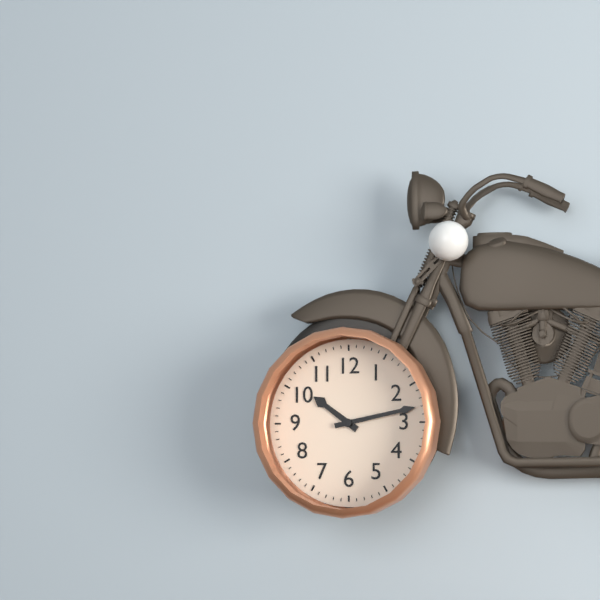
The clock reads h=10 m=13
